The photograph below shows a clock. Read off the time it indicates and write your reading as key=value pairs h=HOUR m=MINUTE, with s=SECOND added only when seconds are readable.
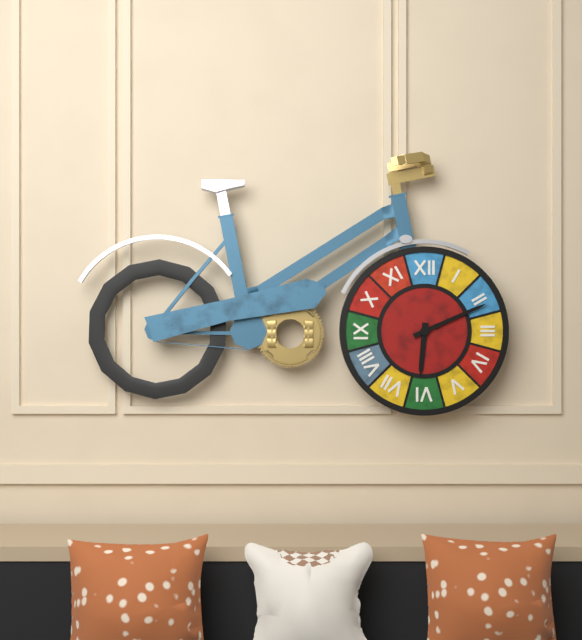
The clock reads h=6 m=11
